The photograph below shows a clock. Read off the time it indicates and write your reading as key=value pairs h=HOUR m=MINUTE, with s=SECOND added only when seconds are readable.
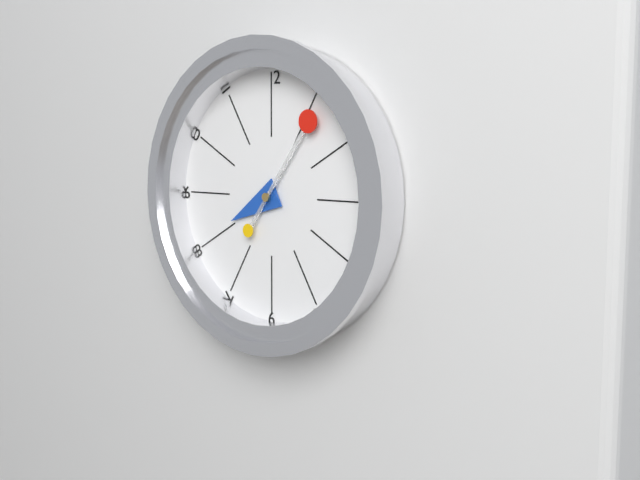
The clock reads h=8 m=6
